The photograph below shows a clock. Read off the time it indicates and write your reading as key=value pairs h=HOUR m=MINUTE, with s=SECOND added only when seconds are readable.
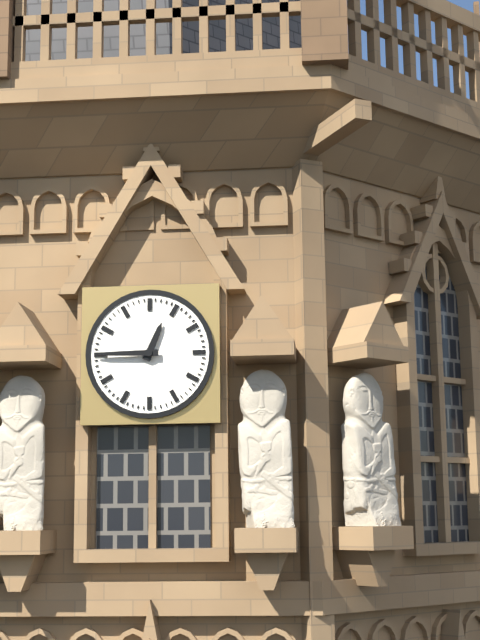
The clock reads h=12 m=45
